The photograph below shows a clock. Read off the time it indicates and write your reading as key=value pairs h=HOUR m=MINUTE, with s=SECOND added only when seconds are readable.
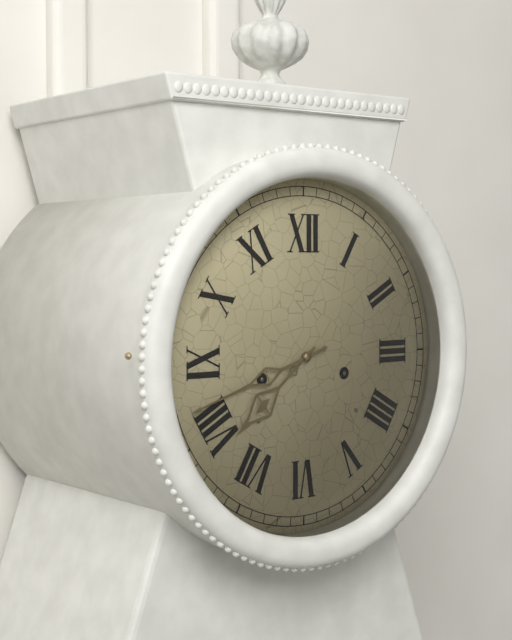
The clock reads h=7 m=42
